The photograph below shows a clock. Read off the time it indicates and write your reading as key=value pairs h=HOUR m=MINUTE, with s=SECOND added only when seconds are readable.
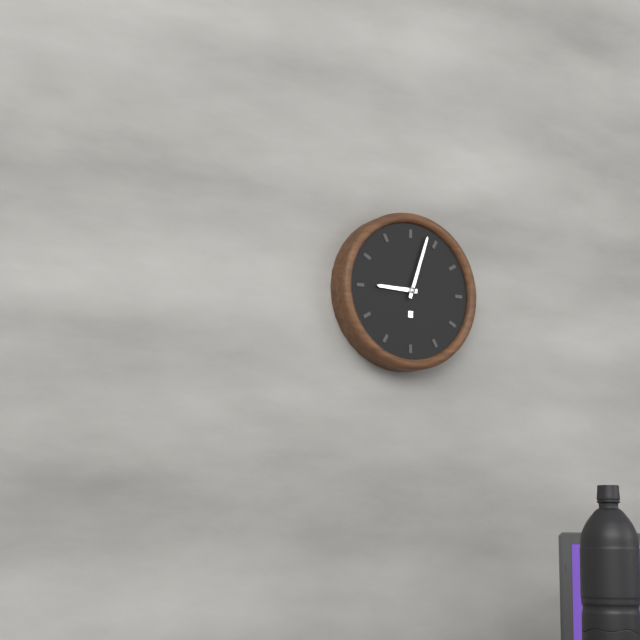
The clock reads h=9 m=3
